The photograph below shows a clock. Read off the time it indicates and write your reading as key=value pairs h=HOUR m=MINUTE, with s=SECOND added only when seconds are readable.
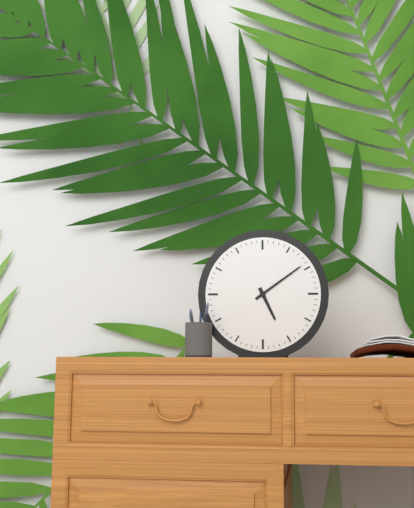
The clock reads h=5 m=9
